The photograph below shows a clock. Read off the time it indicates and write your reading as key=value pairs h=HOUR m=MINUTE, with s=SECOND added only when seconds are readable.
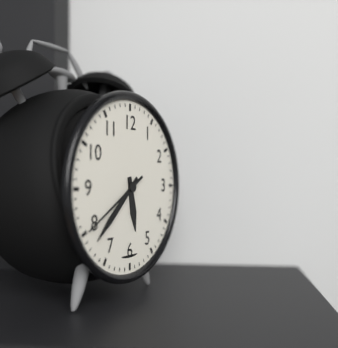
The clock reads h=5 m=38 s=40
